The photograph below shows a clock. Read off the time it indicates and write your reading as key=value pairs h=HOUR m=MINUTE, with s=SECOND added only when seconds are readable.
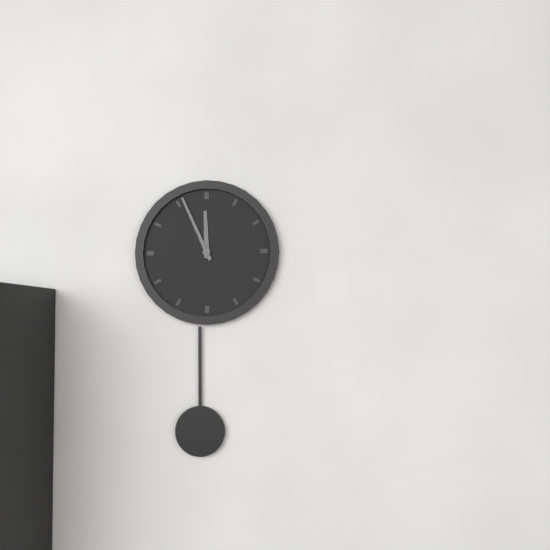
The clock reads h=11 m=56
